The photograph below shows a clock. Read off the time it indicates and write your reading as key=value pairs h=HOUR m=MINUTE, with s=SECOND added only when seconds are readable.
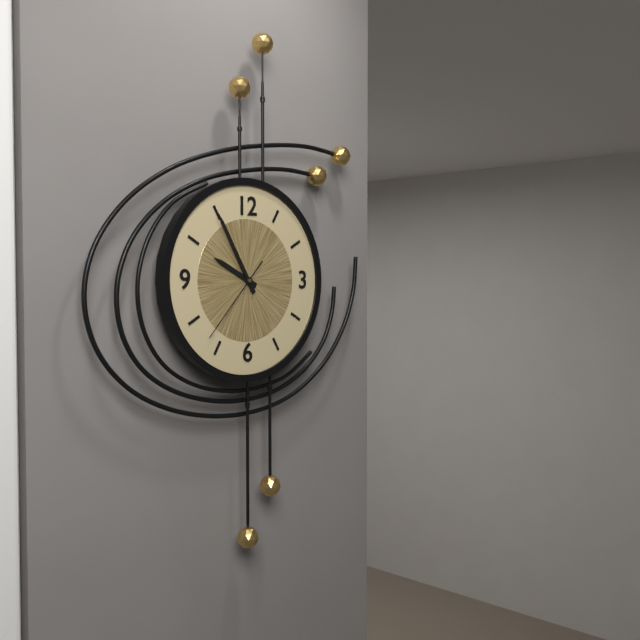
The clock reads h=9 m=55 s=37
